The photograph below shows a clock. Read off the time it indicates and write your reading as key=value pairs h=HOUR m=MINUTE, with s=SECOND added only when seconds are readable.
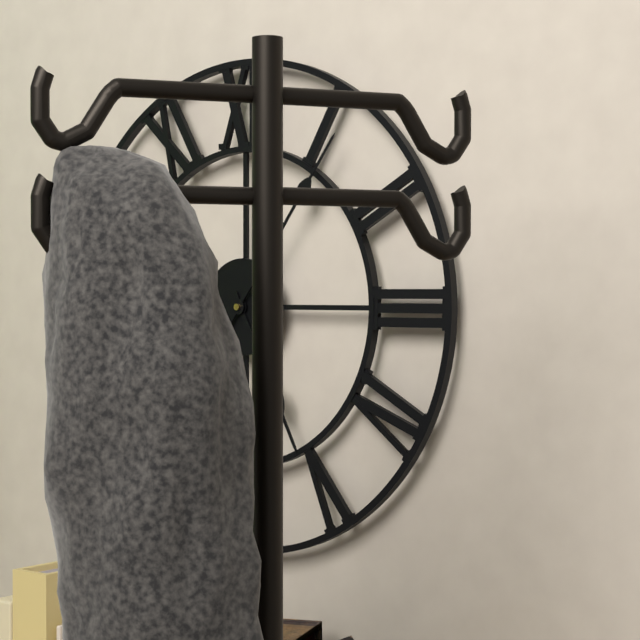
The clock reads h=5 m=6
